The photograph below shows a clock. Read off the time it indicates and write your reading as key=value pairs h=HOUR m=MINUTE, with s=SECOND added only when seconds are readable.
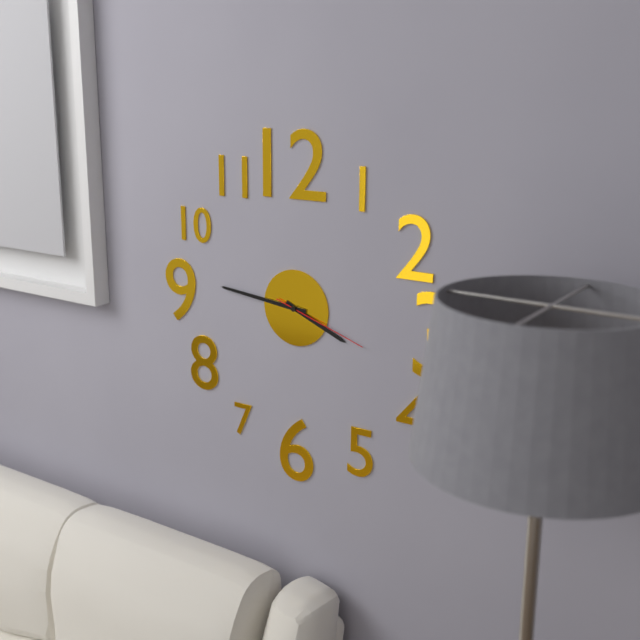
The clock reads h=3 m=46 s=18
